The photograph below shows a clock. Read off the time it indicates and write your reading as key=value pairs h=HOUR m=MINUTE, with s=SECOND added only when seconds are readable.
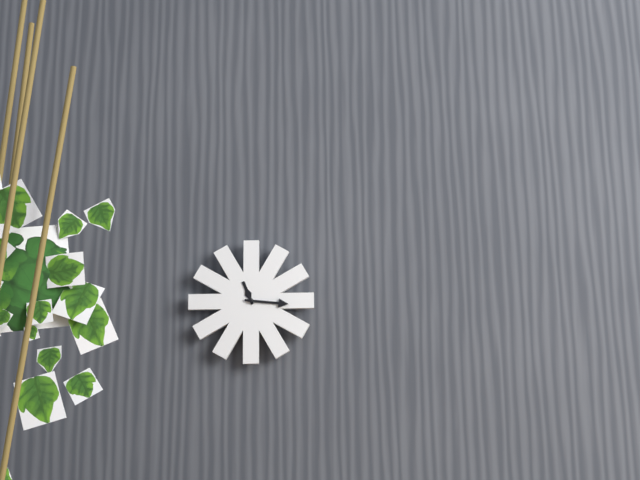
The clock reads h=11 m=16
